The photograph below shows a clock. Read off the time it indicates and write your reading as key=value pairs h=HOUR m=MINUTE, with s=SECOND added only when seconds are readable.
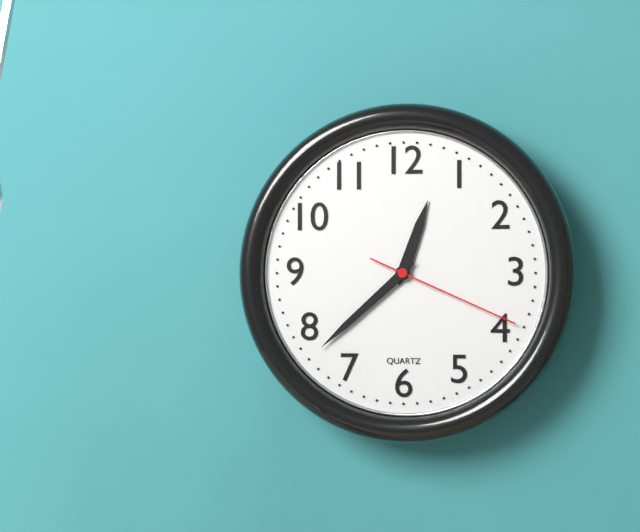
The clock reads h=12 m=38 s=19
